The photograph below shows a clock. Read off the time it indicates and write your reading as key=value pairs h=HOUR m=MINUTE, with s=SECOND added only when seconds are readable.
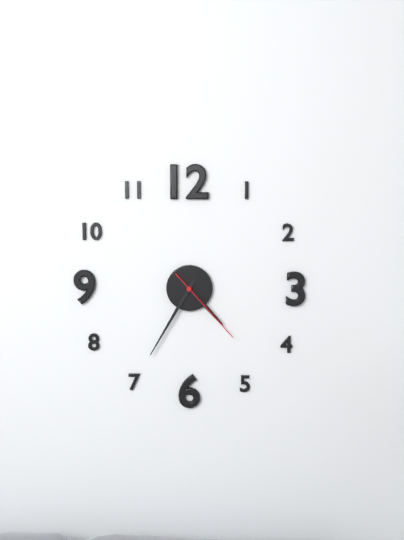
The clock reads h=4 m=35 s=23
